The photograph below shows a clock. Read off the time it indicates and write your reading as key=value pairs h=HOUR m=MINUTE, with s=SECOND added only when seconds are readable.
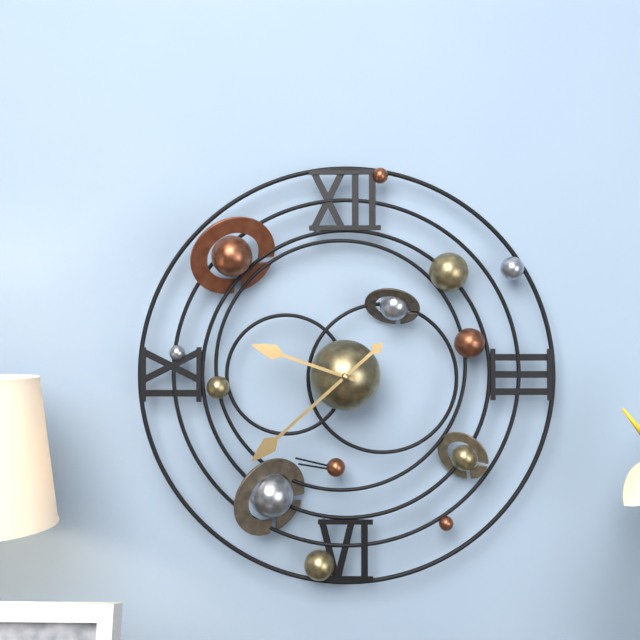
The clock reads h=9 m=38
